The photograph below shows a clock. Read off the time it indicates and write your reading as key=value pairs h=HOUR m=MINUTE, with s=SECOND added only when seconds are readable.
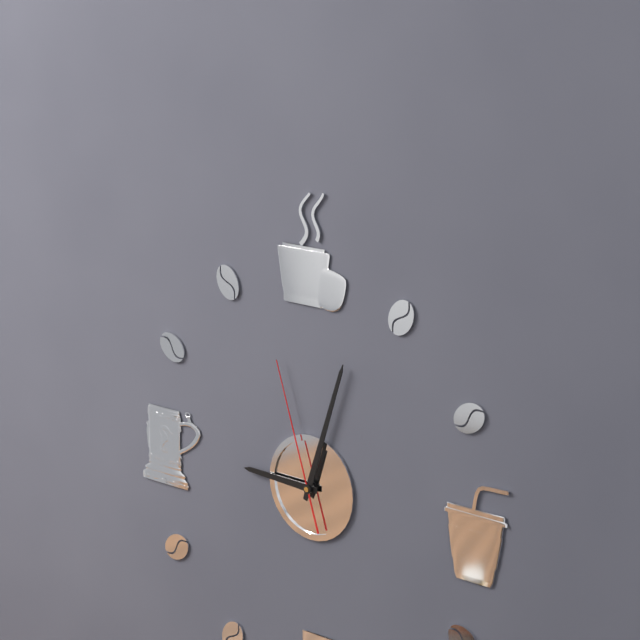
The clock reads h=9 m=3 s=57
